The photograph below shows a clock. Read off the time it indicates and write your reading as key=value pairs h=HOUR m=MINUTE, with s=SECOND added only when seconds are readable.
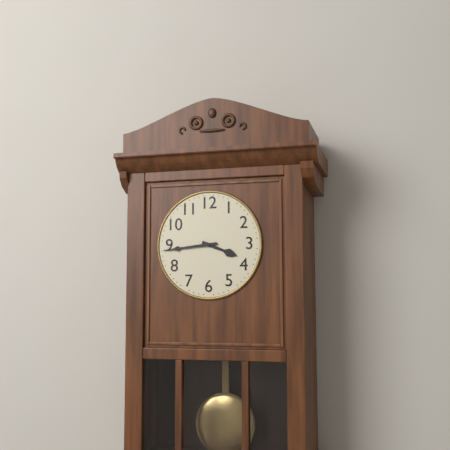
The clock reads h=3 m=44
